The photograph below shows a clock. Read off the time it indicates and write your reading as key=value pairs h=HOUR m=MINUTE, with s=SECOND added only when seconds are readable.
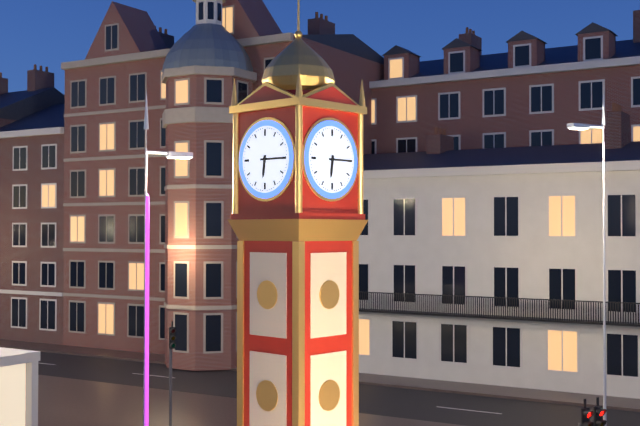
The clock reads h=6 m=15
